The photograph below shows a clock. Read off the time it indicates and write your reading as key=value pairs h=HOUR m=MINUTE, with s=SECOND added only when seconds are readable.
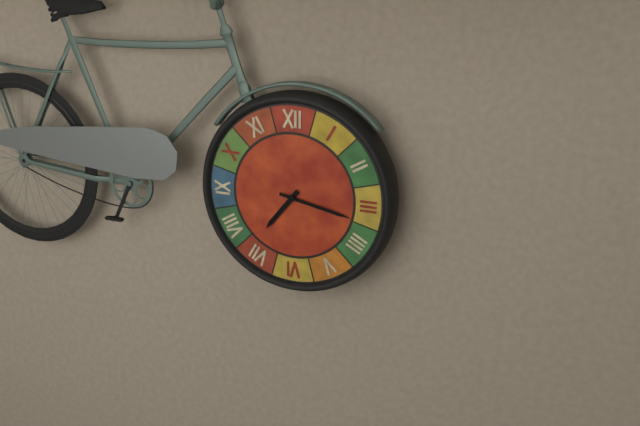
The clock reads h=7 m=17
